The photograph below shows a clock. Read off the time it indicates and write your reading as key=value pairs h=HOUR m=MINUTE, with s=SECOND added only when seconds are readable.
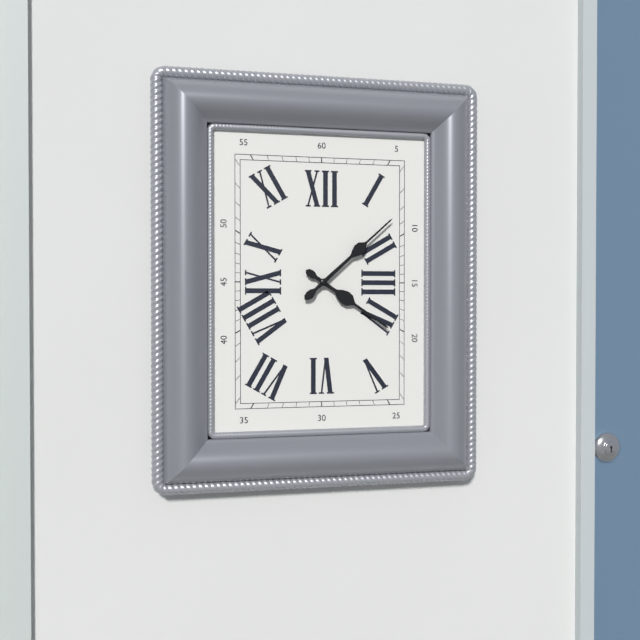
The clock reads h=4 m=8
